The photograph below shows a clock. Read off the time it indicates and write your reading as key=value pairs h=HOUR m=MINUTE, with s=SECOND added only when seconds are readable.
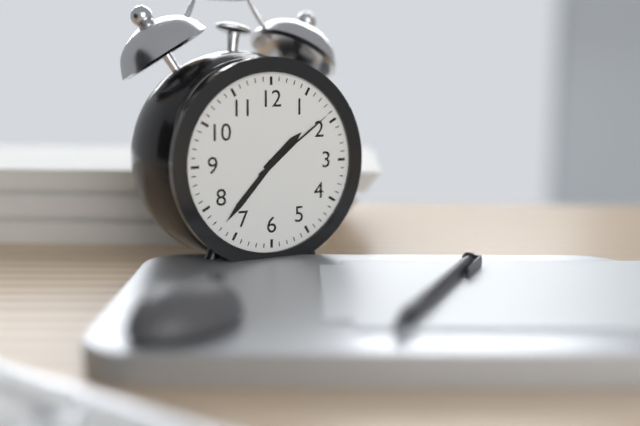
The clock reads h=1 m=37 s=9
